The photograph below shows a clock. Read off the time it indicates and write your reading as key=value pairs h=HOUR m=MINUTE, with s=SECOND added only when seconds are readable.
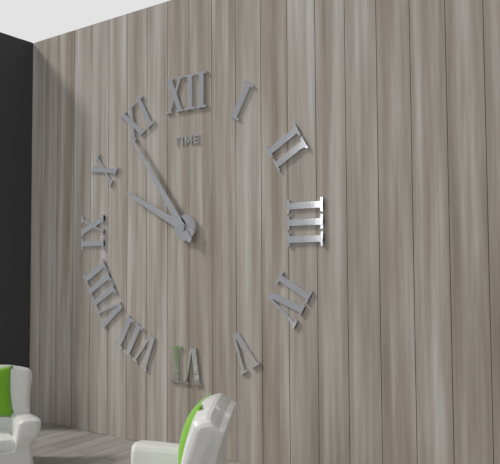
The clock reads h=9 m=54
